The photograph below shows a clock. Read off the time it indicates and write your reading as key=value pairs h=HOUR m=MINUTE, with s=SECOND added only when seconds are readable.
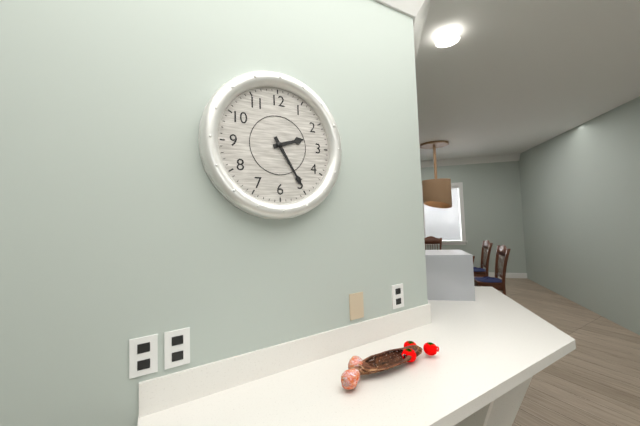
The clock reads h=2 m=25
